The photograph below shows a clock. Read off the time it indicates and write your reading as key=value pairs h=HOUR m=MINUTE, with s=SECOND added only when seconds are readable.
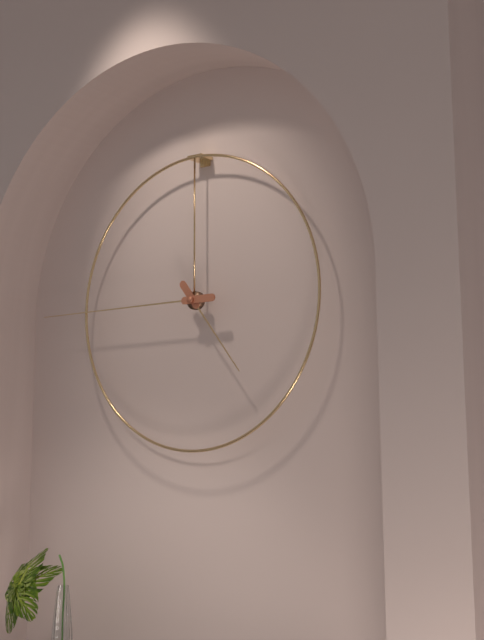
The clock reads h=4 m=45
